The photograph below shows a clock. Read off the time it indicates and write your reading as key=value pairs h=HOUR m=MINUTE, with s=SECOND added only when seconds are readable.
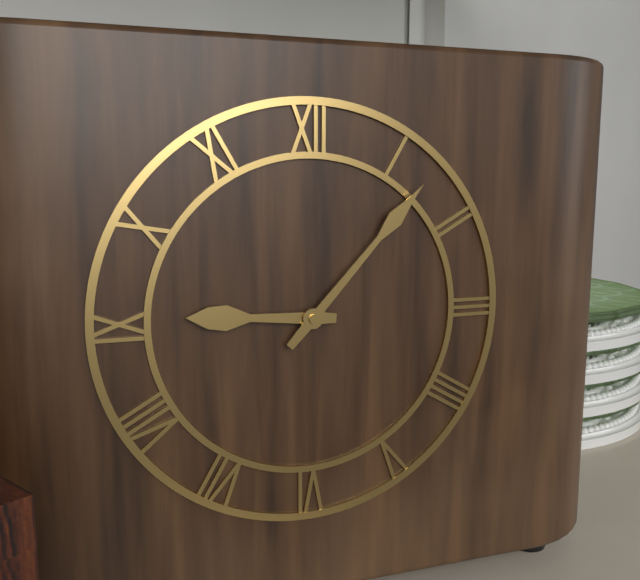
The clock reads h=9 m=7
